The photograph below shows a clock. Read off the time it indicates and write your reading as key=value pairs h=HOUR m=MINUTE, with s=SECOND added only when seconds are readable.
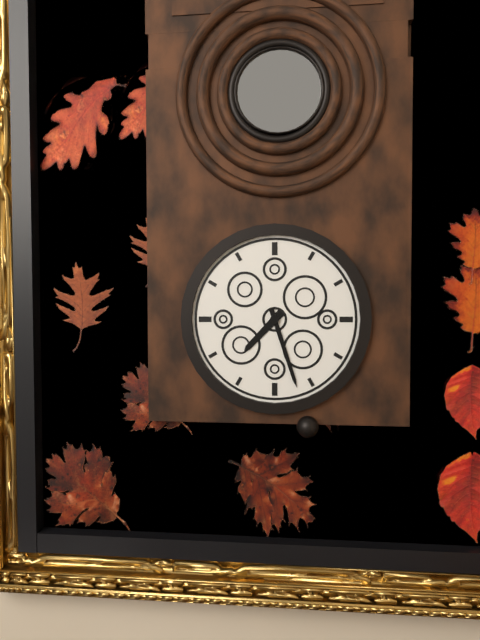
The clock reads h=7 m=27
